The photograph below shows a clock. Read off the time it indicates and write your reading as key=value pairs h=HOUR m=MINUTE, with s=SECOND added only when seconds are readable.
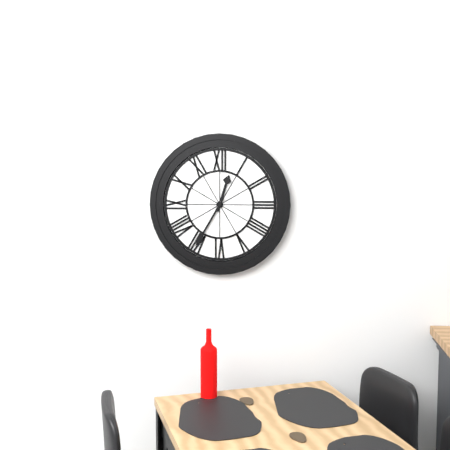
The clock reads h=12 m=35
